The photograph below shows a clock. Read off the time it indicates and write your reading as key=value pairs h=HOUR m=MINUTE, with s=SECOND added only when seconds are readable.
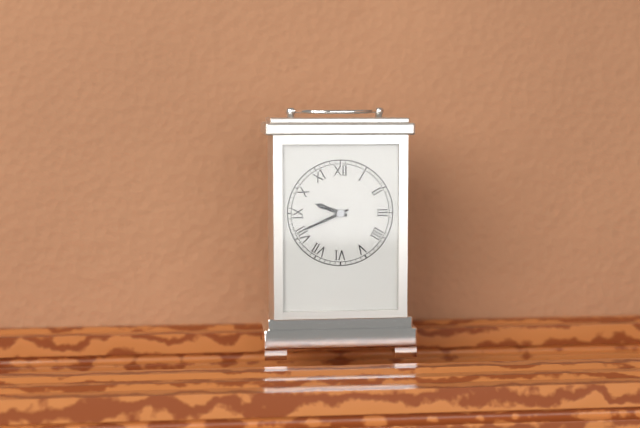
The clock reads h=9 m=41
